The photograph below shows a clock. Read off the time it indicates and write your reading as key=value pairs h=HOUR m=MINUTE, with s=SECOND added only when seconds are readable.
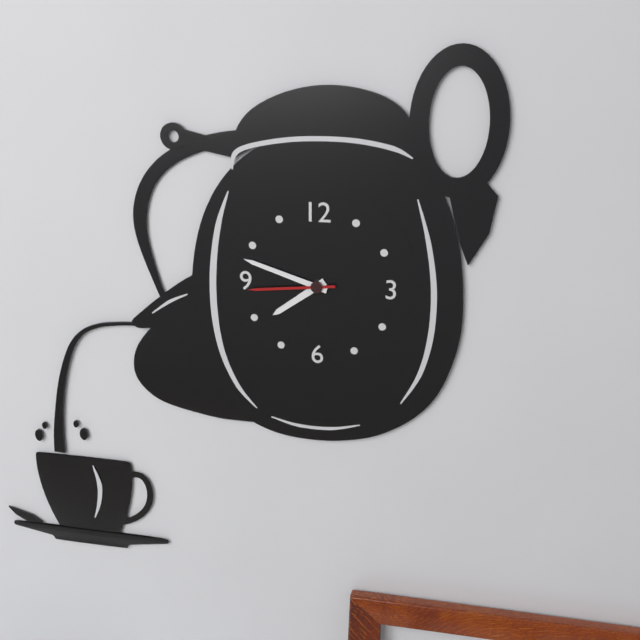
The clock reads h=7 m=48 s=44
